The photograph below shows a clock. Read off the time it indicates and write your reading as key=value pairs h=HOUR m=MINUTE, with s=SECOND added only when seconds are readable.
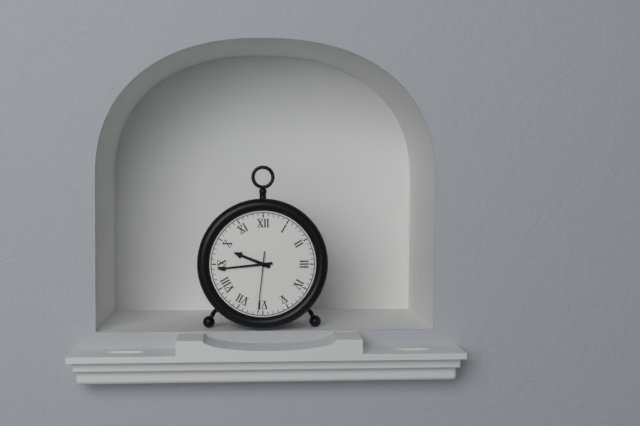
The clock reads h=9 m=44 s=31
